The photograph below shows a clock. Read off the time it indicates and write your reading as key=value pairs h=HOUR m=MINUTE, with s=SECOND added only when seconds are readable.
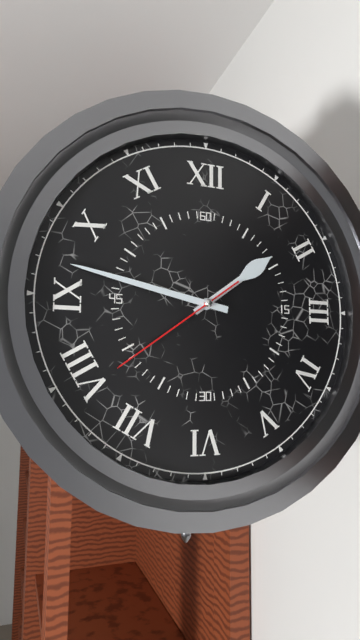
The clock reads h=1 m=47 s=39
